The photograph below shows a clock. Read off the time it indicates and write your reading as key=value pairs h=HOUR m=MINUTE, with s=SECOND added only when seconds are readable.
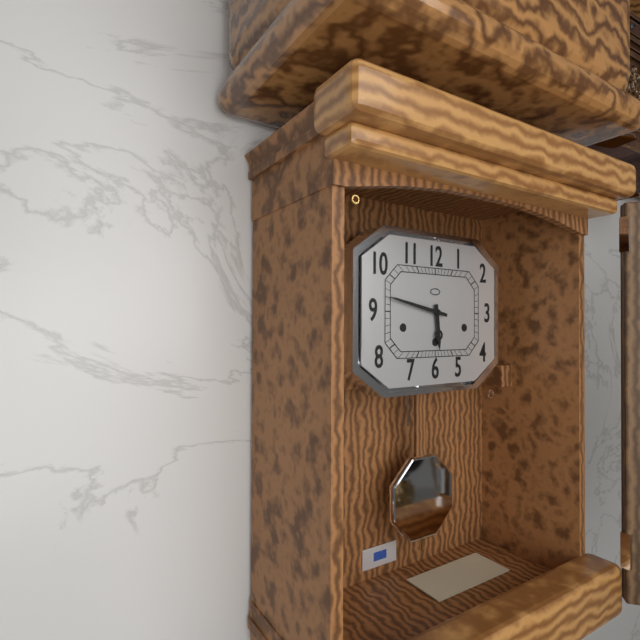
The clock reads h=5 m=47
